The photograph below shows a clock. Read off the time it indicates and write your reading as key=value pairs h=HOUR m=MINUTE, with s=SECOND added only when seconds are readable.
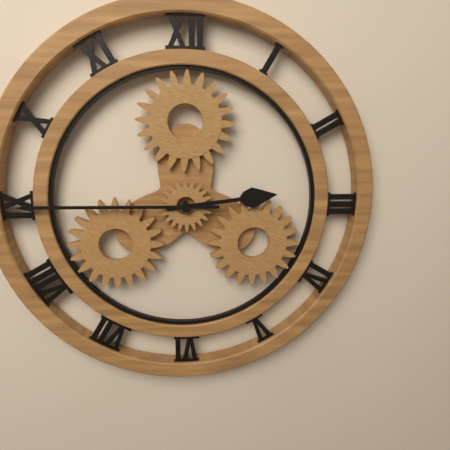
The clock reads h=2 m=45
